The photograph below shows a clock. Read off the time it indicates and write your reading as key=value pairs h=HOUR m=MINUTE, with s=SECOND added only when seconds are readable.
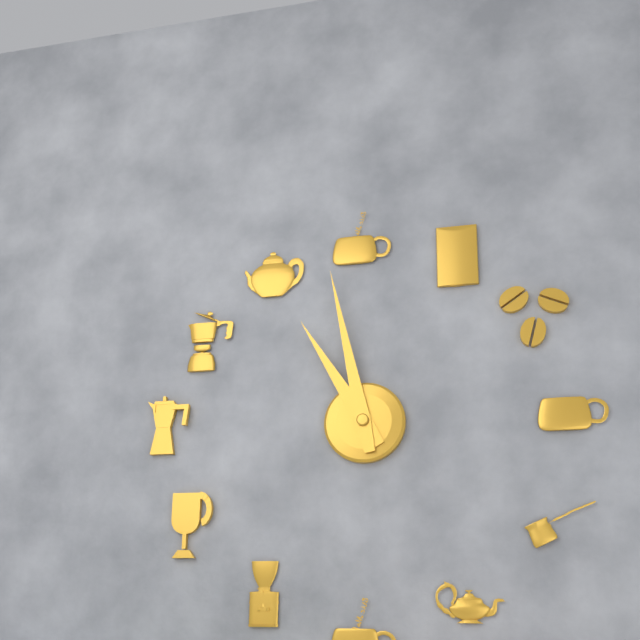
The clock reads h=10 m=58
